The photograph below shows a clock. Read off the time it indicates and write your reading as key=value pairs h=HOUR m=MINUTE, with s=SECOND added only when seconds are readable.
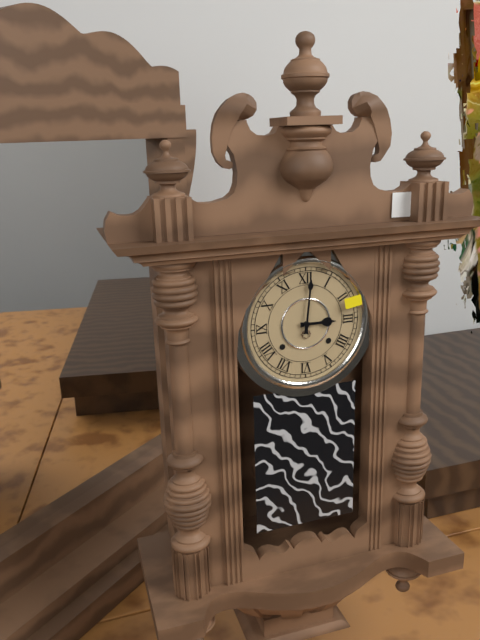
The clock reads h=3 m=1
